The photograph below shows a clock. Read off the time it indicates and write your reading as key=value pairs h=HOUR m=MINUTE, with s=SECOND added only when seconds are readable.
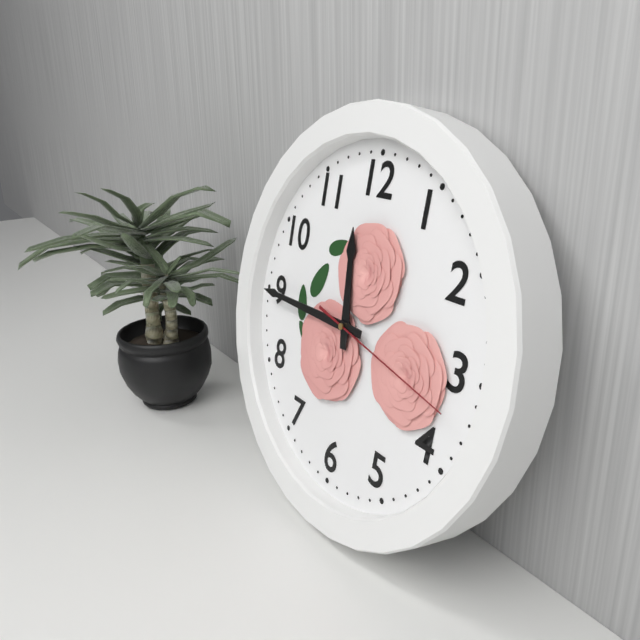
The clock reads h=11 m=45 s=17
